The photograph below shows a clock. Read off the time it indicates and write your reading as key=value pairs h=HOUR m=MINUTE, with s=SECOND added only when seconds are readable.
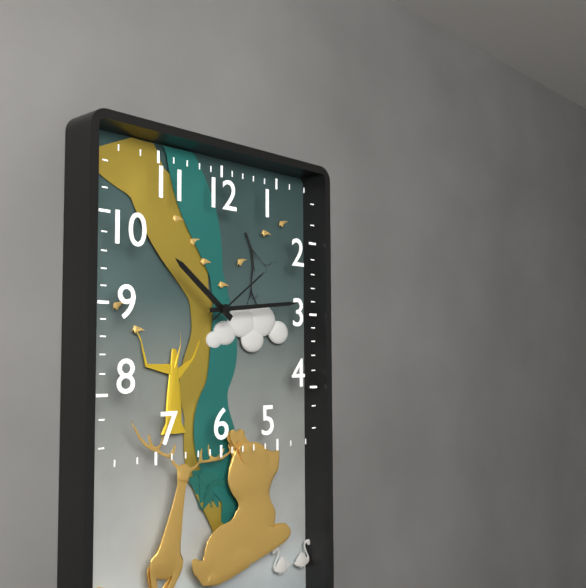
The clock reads h=10 m=14 s=9
